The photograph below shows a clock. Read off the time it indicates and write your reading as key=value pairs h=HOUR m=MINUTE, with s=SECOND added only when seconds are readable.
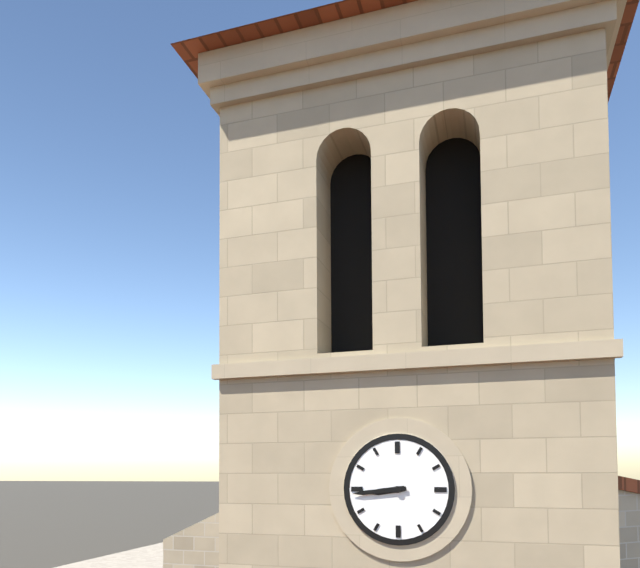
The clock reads h=8 m=44
